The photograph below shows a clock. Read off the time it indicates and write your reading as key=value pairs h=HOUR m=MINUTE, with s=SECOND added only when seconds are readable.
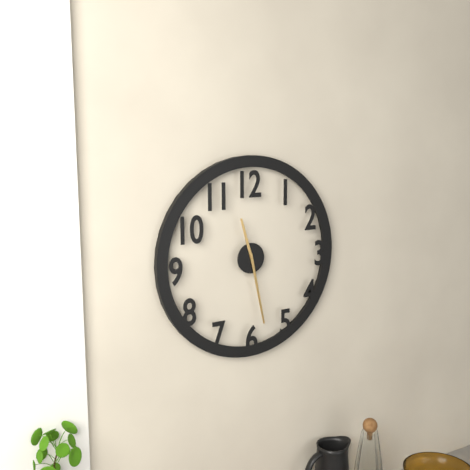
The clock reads h=11 m=28
